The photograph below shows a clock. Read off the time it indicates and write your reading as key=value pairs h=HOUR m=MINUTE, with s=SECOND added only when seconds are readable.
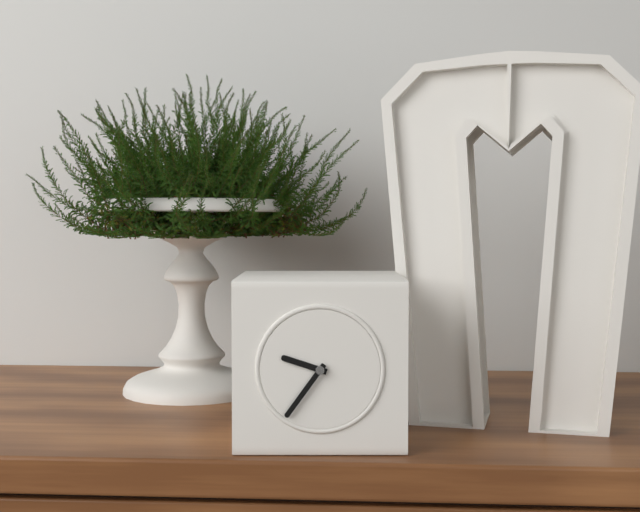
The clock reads h=9 m=36
